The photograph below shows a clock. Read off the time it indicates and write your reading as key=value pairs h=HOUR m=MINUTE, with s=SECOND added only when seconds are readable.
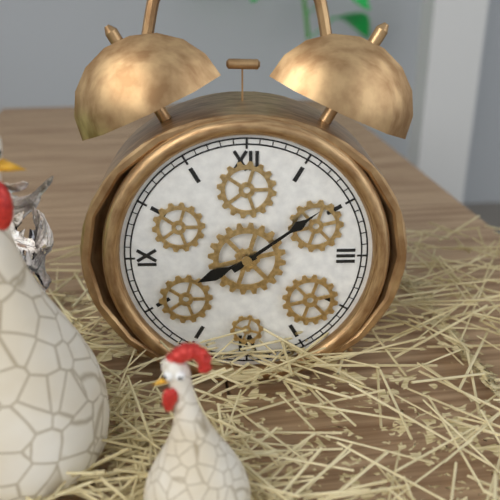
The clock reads h=8 m=9
